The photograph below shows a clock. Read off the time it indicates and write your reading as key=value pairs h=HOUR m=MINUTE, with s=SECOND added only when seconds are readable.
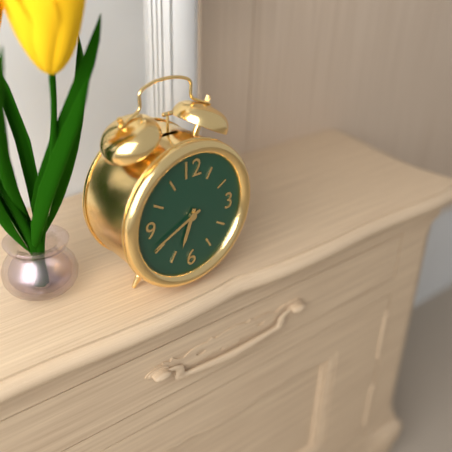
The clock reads h=6 m=41
